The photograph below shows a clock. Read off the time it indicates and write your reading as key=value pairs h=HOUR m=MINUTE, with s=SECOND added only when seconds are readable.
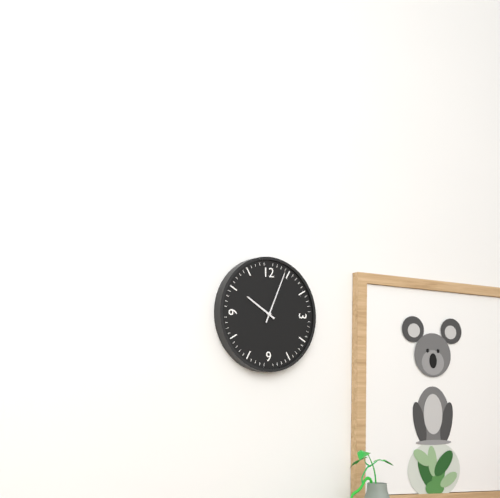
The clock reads h=10 m=4
